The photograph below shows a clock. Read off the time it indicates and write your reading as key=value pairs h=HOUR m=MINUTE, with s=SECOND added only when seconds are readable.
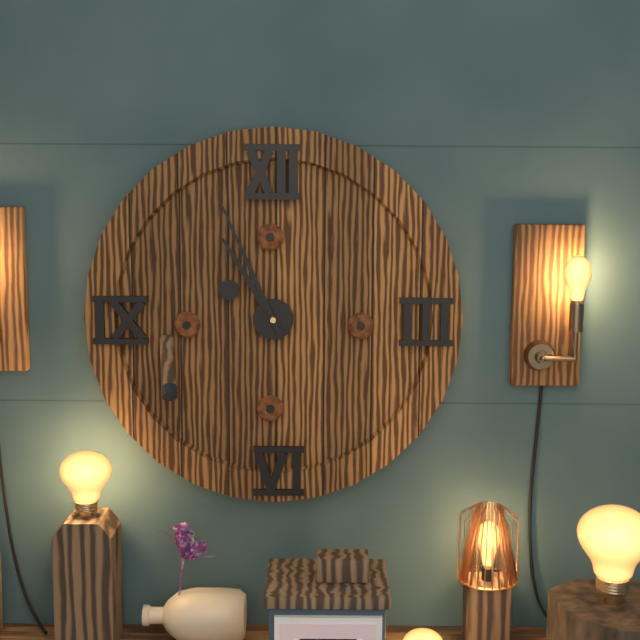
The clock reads h=10 m=56
